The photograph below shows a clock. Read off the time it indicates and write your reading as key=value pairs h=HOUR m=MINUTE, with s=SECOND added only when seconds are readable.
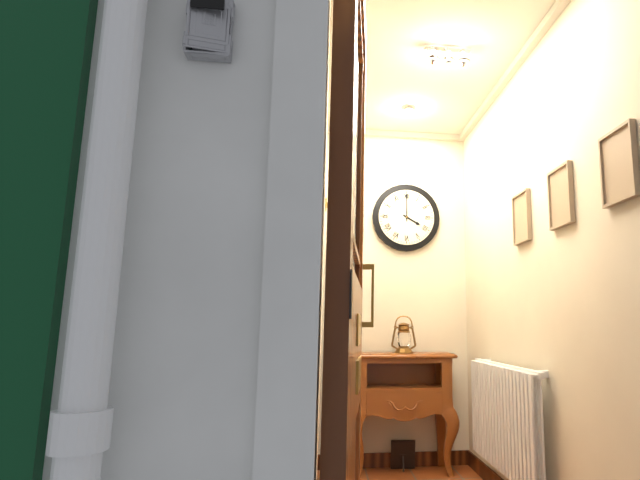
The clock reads h=4 m=0
